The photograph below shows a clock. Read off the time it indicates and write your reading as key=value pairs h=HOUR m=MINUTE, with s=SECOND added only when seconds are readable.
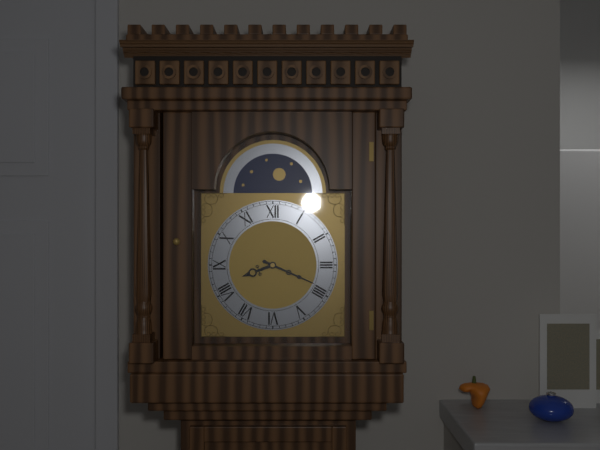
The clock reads h=8 m=19
